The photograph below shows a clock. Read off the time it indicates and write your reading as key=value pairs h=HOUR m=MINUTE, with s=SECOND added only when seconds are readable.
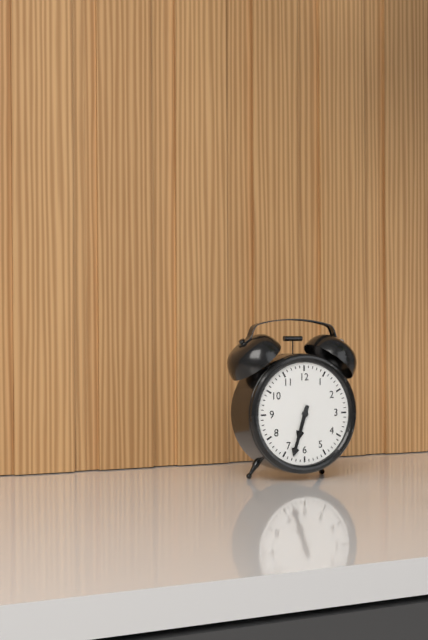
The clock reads h=6 m=33
